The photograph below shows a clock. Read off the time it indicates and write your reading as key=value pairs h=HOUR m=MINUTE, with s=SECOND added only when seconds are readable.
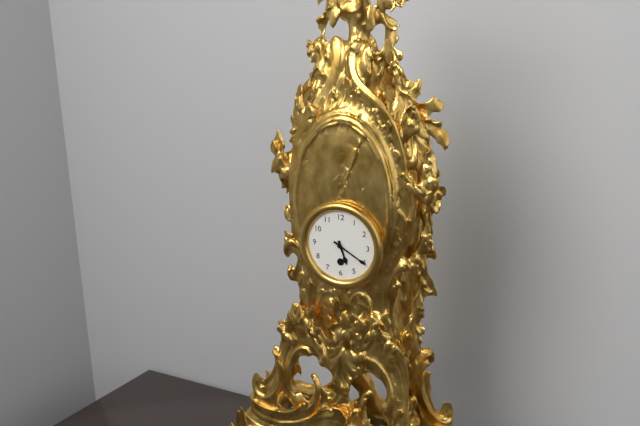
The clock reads h=5 m=20
